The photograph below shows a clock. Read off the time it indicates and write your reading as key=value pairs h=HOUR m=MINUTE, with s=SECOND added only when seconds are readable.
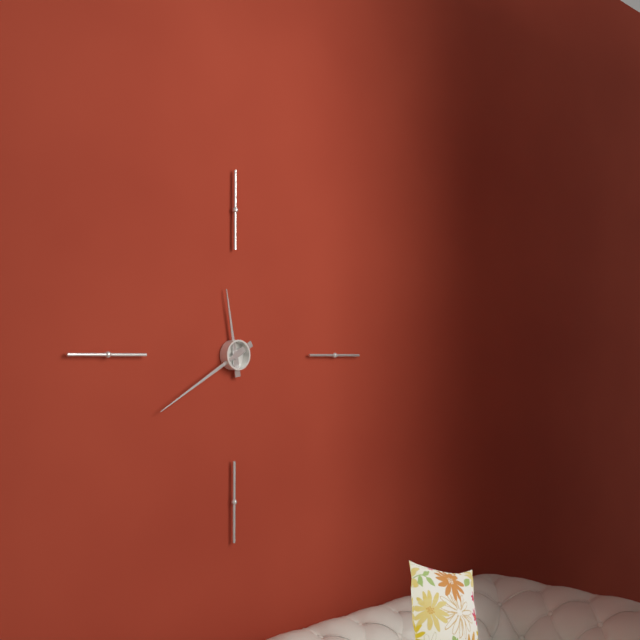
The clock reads h=11 m=40
